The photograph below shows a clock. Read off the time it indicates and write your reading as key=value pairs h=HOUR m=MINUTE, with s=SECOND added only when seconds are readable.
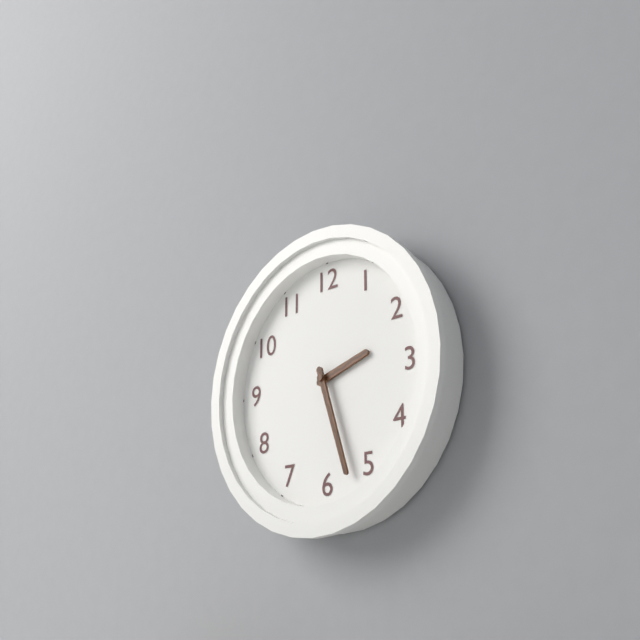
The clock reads h=2 m=27
